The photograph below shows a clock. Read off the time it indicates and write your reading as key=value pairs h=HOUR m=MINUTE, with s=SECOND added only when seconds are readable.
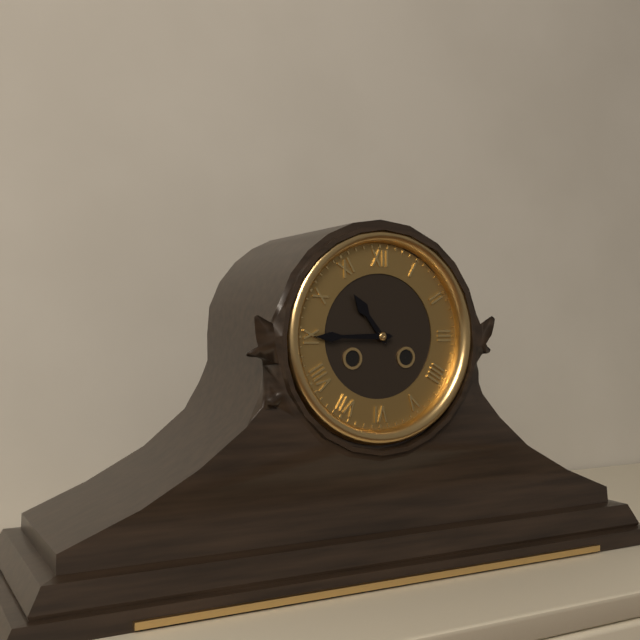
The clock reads h=10 m=45
